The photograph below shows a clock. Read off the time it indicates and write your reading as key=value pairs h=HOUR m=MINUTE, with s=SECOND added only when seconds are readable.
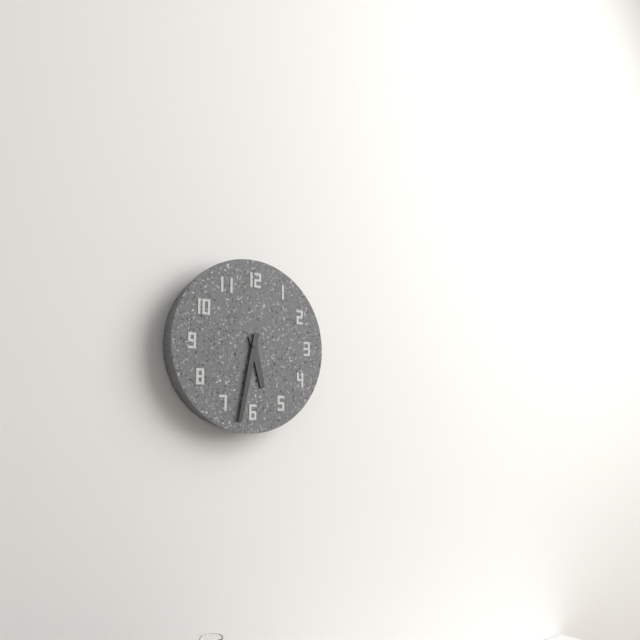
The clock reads h=5 m=32
